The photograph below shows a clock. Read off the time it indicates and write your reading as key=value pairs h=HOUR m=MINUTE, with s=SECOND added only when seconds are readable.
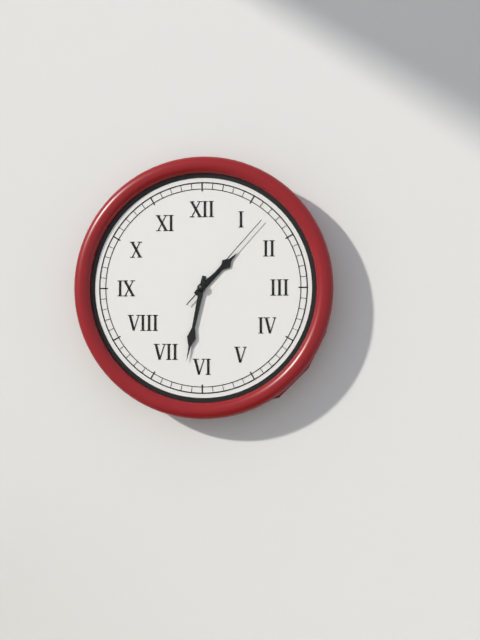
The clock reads h=1 m=32 s=7
